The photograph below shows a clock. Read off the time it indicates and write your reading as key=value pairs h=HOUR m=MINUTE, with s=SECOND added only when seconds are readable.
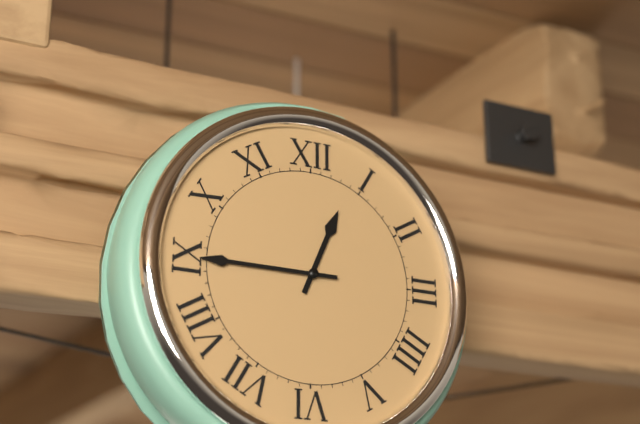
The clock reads h=12 m=45
